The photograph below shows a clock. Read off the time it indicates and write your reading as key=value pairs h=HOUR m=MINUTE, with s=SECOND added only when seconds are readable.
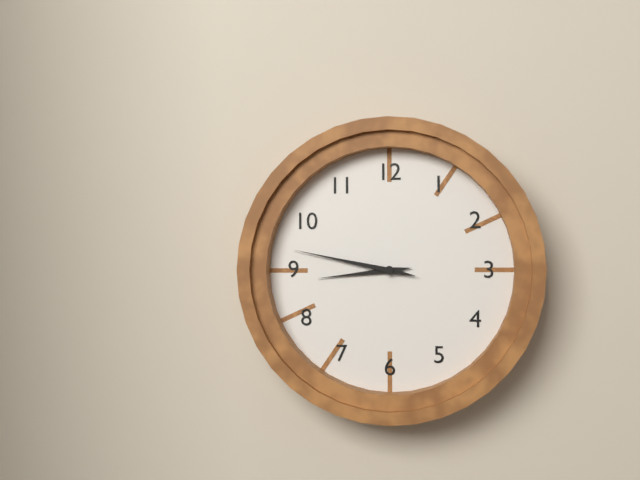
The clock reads h=8 m=47
